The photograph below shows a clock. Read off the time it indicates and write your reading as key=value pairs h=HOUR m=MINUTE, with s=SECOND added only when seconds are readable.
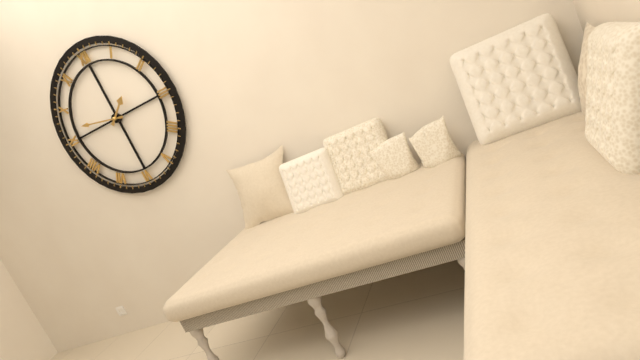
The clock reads h=1 m=47
